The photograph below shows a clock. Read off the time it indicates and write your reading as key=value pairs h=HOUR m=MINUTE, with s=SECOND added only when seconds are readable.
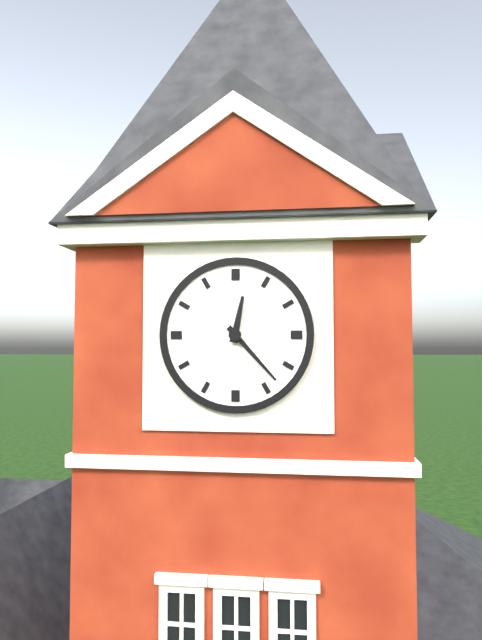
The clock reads h=12 m=23
